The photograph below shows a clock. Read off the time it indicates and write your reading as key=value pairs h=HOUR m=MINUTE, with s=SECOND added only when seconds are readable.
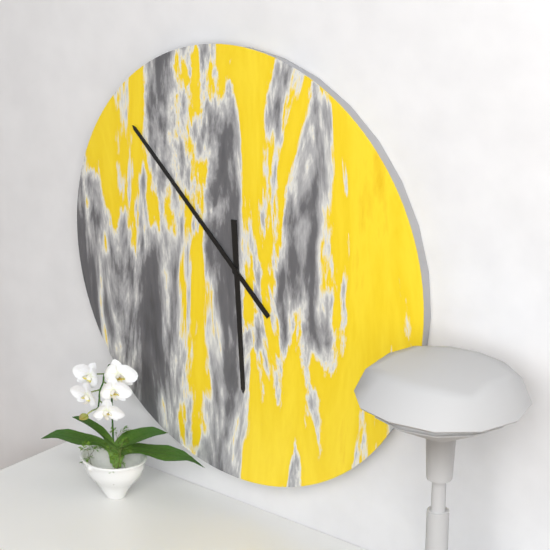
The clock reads h=5 m=52
